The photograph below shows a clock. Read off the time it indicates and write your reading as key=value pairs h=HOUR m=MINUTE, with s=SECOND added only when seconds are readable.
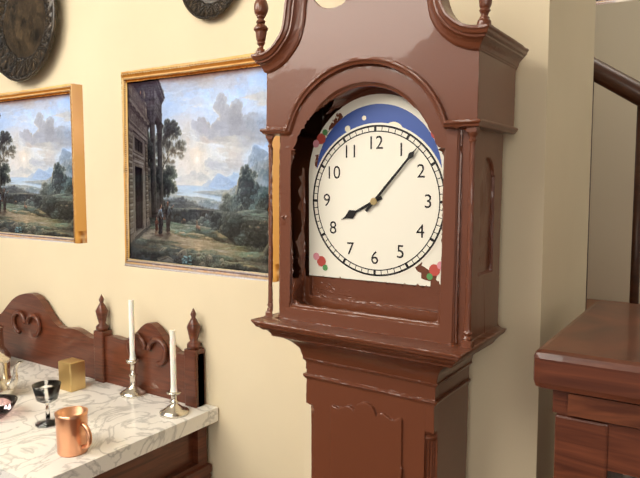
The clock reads h=8 m=7
